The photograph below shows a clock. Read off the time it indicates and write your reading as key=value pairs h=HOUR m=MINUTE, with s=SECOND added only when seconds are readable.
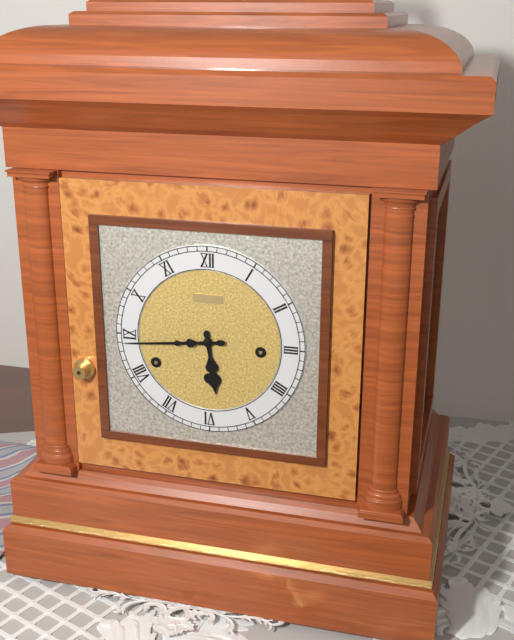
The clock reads h=5 m=44
